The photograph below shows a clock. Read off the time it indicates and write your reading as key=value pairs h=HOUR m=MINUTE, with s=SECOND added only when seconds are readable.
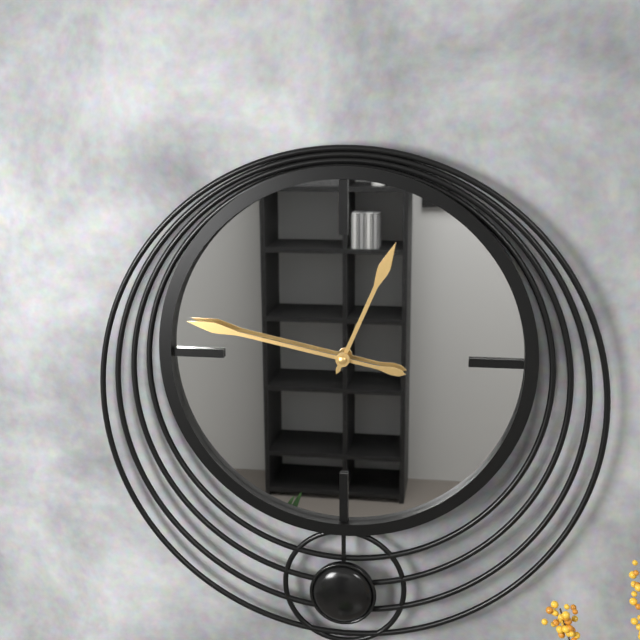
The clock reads h=12 m=47
